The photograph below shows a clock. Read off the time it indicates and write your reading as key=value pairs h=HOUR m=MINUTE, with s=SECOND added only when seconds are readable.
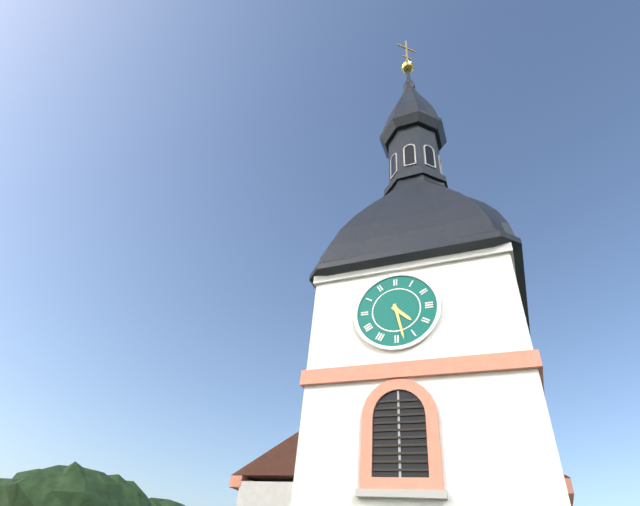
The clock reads h=4 m=28
